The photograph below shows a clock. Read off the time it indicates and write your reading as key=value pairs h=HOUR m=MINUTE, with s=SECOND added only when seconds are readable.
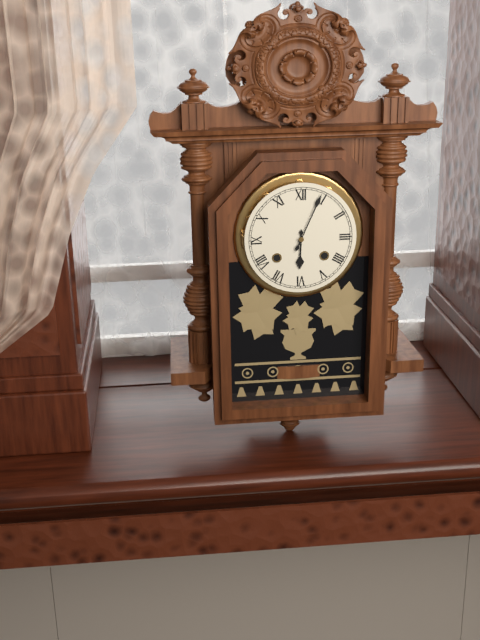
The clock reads h=6 m=4
